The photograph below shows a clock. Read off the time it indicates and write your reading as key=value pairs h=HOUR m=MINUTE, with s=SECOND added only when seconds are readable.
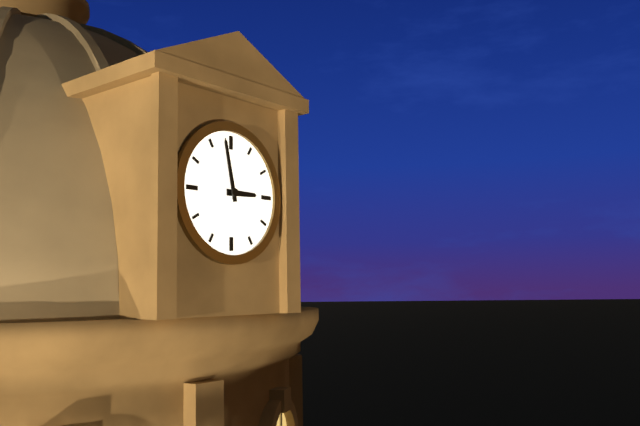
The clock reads h=2 m=58
